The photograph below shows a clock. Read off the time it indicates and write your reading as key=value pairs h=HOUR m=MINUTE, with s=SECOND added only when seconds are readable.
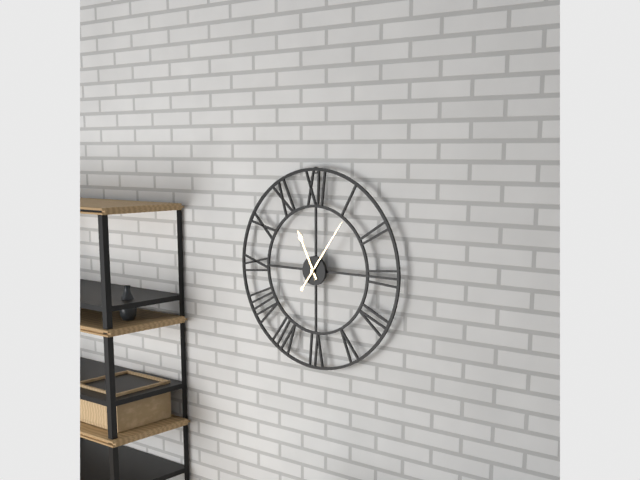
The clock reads h=11 m=6
